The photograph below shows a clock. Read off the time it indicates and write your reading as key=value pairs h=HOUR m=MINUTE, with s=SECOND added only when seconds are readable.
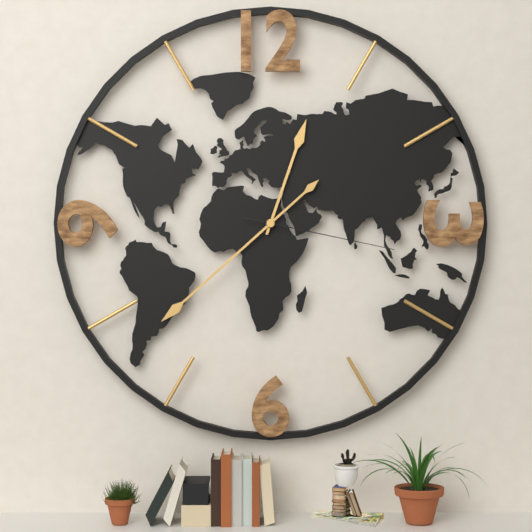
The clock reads h=12 m=38 s=17
